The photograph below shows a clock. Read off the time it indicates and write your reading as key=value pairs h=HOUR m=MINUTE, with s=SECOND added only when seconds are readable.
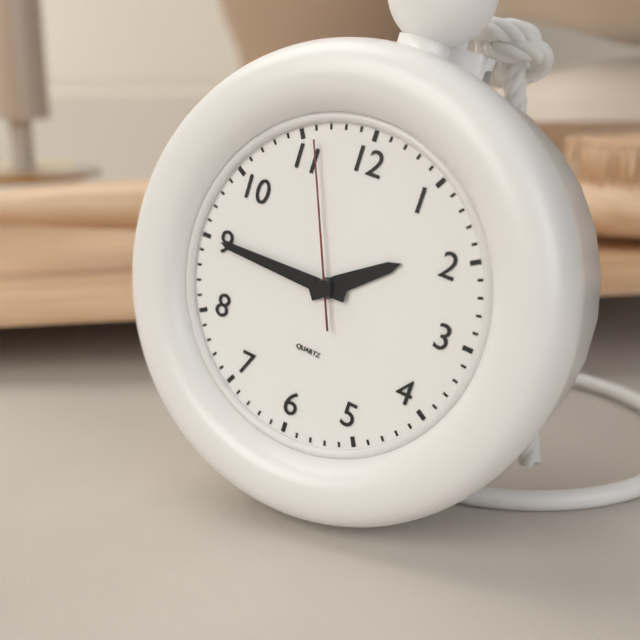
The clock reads h=1 m=45 s=56
